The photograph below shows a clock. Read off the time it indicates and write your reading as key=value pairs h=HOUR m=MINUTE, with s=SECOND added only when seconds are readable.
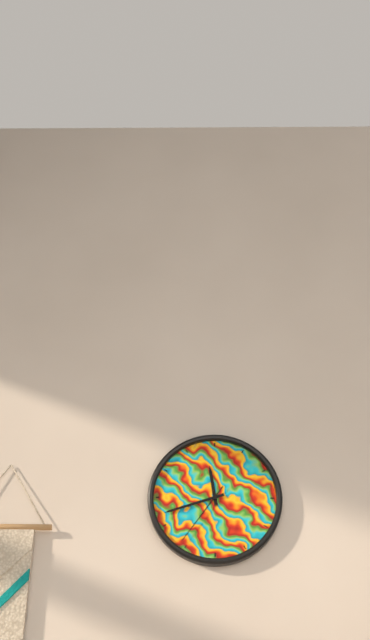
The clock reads h=11 m=42 s=36
